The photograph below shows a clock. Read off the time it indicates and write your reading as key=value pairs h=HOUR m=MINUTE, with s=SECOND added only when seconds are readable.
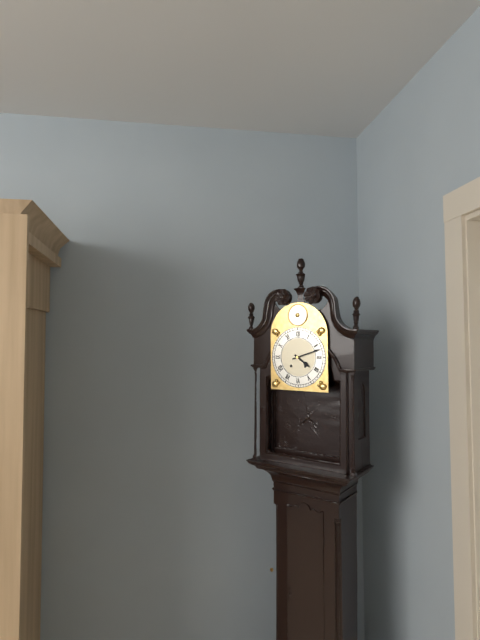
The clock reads h=4 m=12
